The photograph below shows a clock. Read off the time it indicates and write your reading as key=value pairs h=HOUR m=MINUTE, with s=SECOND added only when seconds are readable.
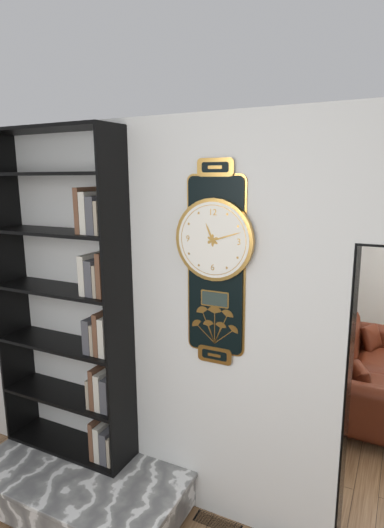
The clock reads h=11 m=12
